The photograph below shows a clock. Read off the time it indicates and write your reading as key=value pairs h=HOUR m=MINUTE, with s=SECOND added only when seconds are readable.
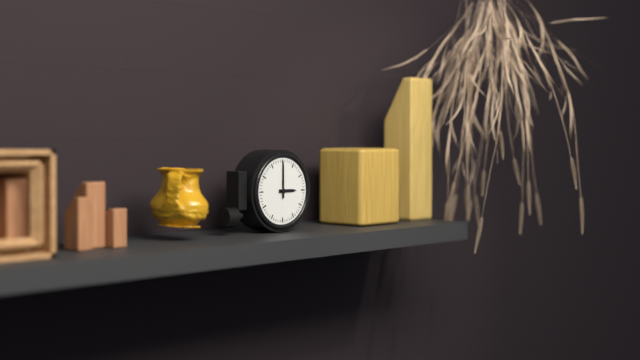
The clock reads h=3 m=0
